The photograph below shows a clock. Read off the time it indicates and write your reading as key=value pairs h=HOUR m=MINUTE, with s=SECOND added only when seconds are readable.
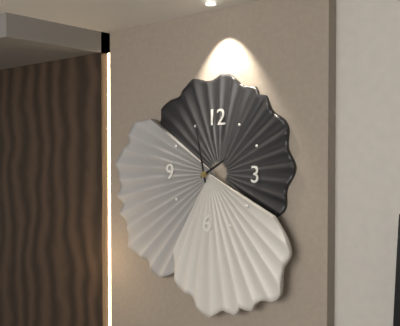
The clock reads h=1 m=58
